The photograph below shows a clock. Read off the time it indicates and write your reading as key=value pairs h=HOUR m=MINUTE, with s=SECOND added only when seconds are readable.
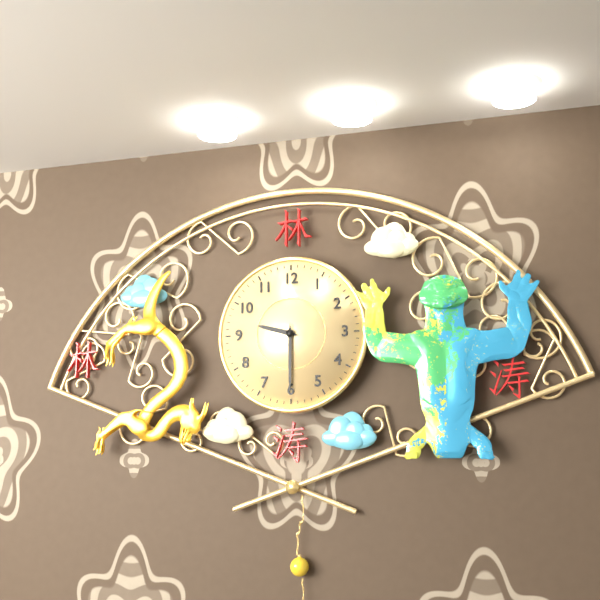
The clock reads h=9 m=30
